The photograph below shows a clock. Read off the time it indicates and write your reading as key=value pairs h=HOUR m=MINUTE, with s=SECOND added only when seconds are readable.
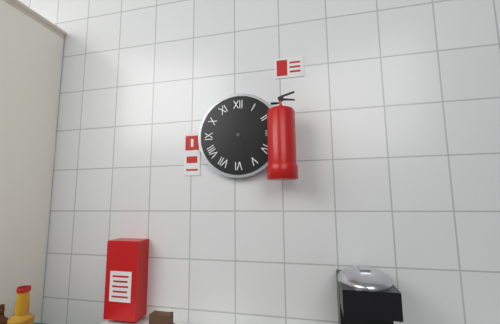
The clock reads h=5 m=22
